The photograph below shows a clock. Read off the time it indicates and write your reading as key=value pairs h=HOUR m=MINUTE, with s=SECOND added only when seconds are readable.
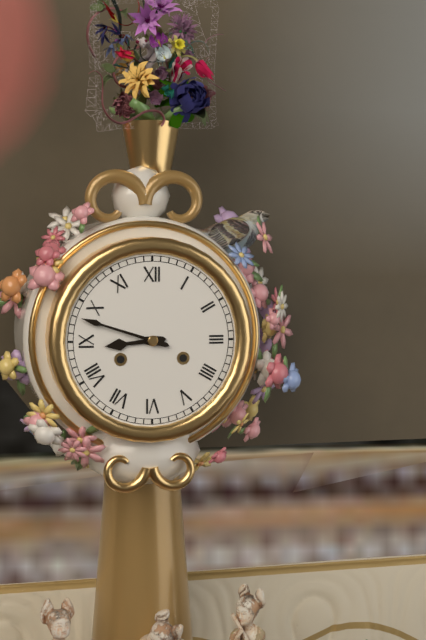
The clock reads h=8 m=48
